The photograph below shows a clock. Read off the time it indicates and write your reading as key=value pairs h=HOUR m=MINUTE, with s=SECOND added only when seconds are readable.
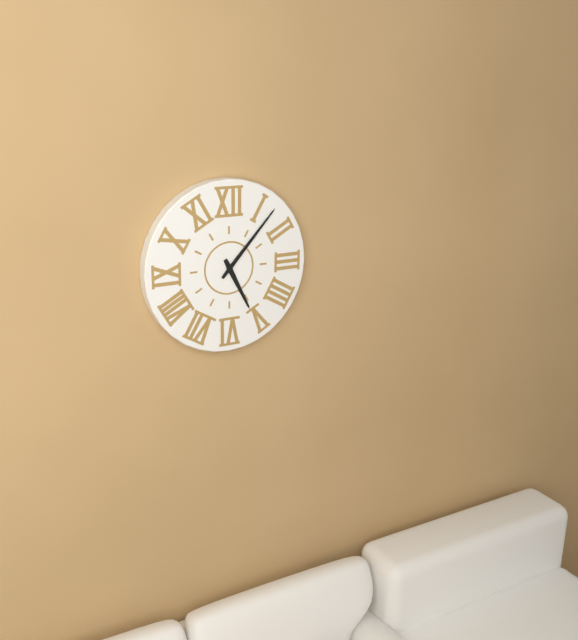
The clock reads h=5 m=7
